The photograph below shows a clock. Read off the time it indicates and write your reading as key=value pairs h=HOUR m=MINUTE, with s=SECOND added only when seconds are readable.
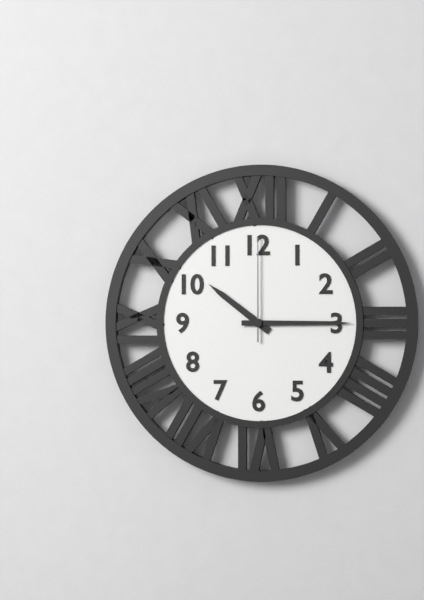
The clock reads h=10 m=15 s=0
